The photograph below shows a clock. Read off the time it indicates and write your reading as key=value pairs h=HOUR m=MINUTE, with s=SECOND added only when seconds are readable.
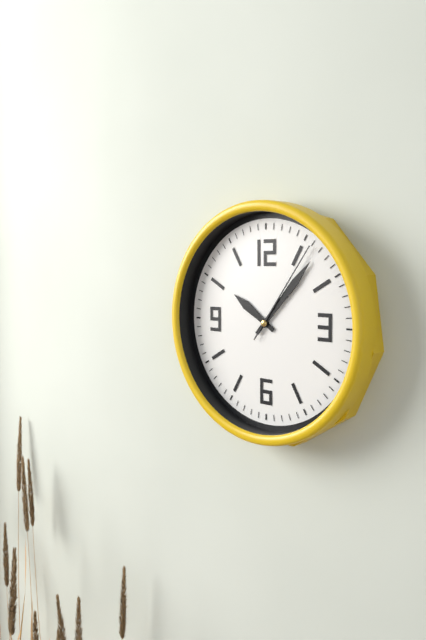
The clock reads h=10 m=7 s=6
